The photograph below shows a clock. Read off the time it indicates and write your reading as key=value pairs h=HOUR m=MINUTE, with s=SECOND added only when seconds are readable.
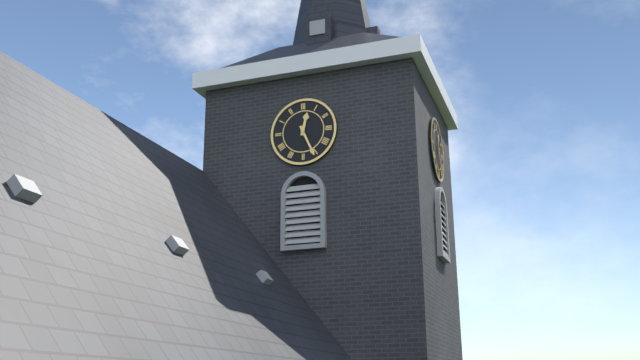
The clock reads h=12 m=26
